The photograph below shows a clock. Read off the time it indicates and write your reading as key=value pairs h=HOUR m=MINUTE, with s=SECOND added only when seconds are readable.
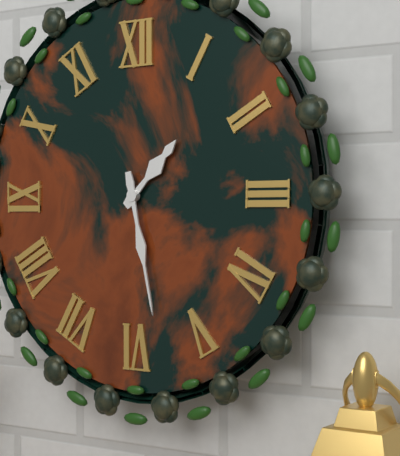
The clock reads h=1 m=28
